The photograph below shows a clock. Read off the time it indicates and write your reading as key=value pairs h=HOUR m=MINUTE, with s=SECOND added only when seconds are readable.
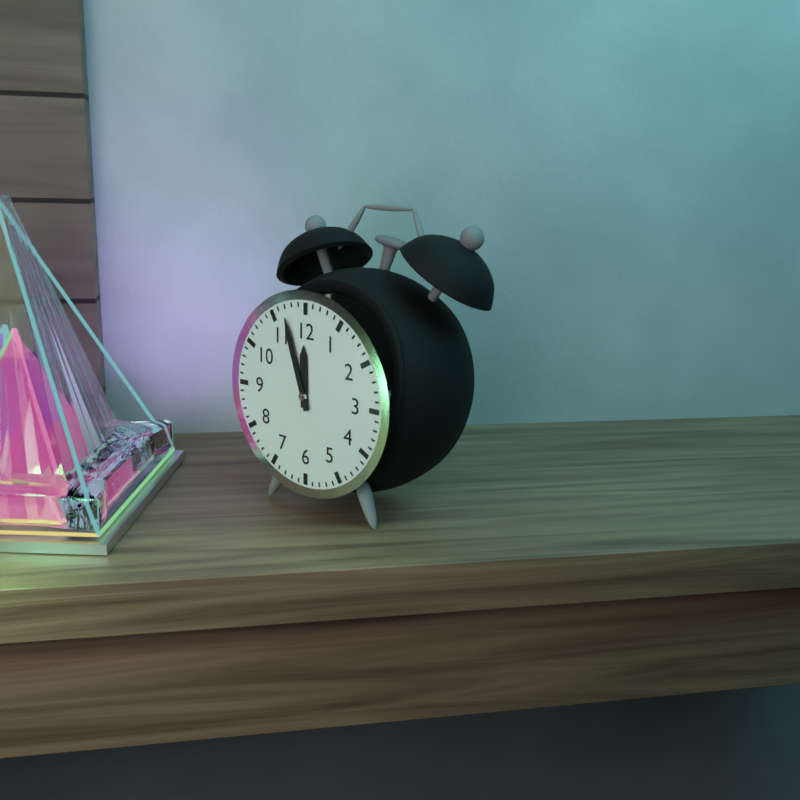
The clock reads h=11 m=57
